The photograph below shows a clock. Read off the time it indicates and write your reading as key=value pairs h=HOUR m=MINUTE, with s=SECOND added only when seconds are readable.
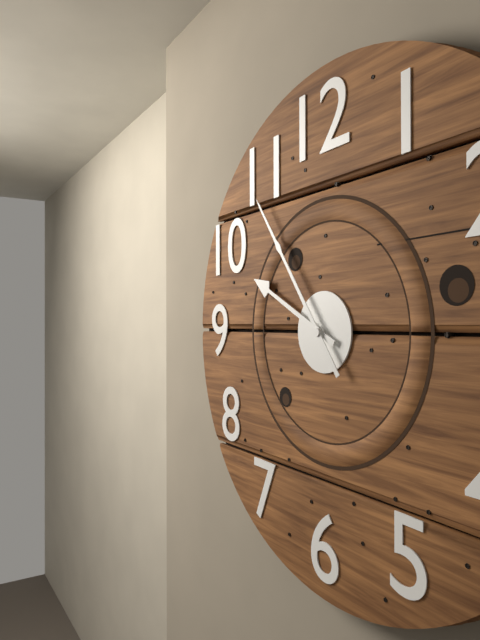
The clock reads h=9 m=54
